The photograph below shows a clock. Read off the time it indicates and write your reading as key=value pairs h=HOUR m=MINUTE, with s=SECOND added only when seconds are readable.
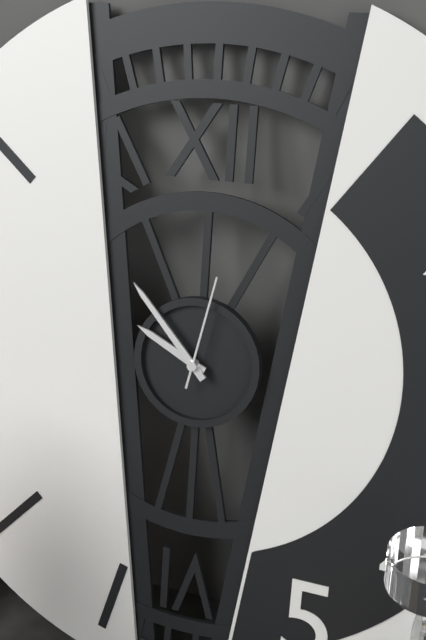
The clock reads h=9 m=53 s=2
